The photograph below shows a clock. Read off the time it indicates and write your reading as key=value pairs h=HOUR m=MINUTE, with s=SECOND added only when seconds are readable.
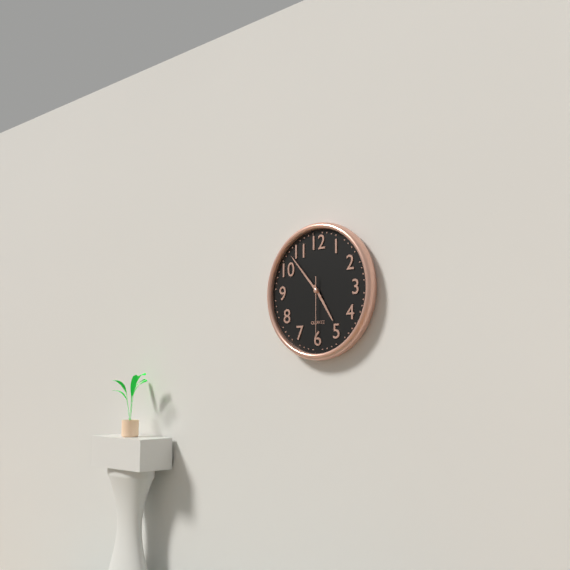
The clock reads h=4 m=53 s=30
